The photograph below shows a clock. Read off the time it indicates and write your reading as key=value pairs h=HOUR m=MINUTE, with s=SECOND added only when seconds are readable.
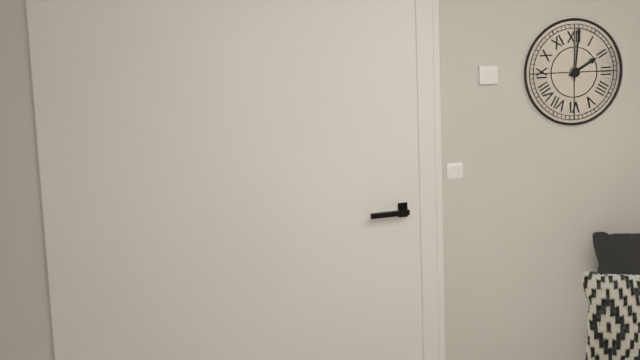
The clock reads h=2 m=1
